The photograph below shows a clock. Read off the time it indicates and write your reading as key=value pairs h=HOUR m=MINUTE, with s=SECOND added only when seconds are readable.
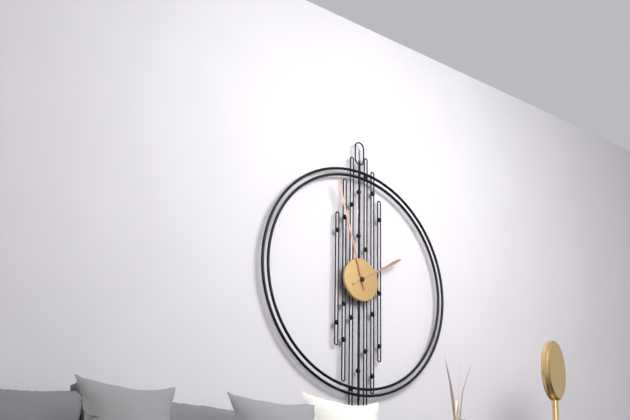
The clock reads h=1 m=57
